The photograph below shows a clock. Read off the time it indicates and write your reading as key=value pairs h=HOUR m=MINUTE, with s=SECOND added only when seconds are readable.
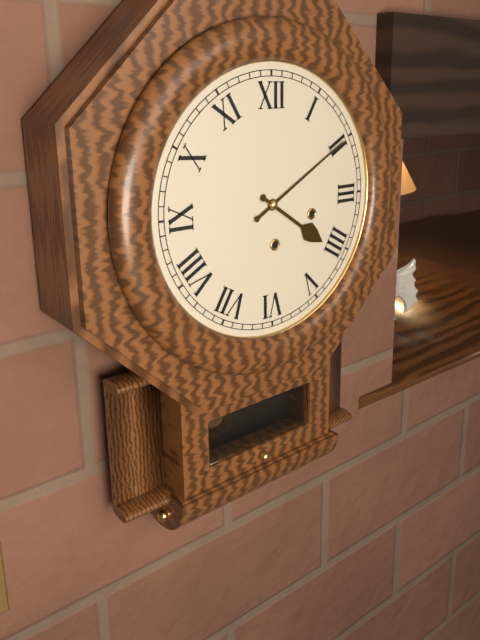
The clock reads h=4 m=10
